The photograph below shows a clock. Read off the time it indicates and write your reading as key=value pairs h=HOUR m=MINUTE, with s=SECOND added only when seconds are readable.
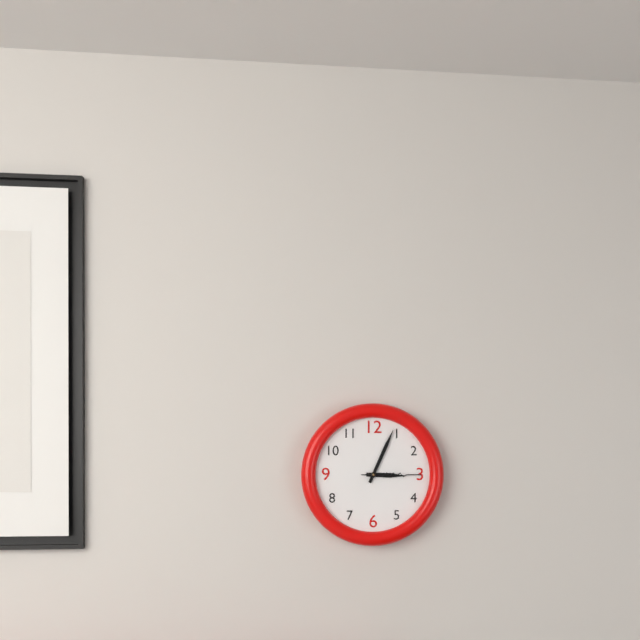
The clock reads h=3 m=4 s=15
